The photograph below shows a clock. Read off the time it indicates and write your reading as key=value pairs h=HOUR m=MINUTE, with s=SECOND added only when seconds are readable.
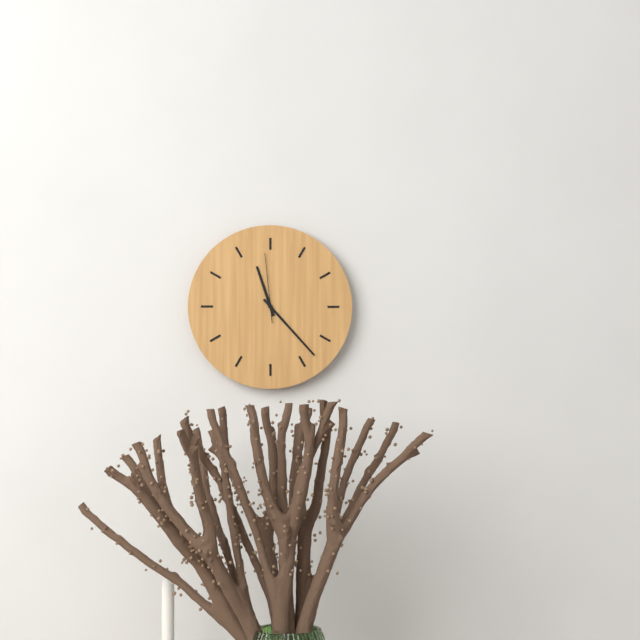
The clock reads h=11 m=23 s=59
